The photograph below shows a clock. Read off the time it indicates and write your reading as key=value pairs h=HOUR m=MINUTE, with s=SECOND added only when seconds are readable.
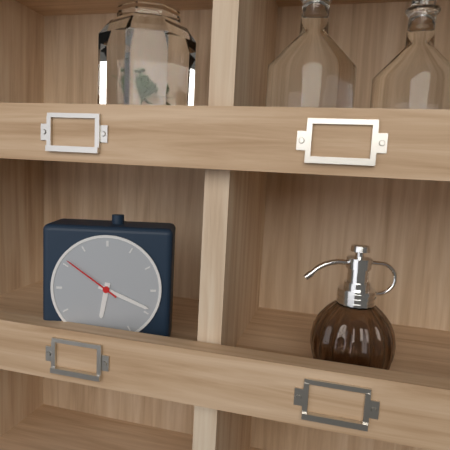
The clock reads h=6 m=19 s=51
